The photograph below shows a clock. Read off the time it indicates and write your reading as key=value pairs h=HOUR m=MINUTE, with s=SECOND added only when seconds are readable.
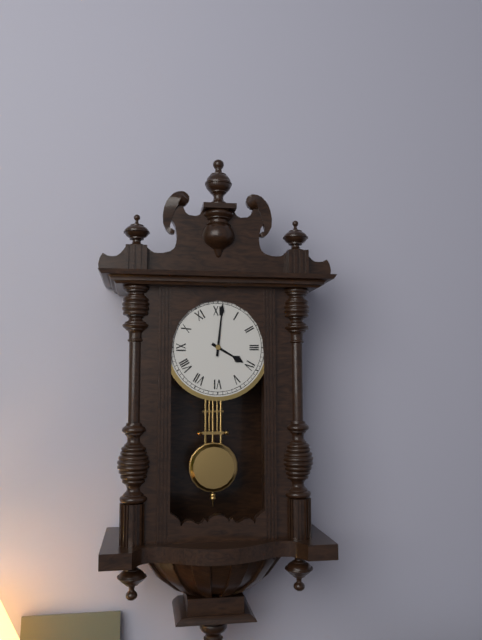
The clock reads h=4 m=1
